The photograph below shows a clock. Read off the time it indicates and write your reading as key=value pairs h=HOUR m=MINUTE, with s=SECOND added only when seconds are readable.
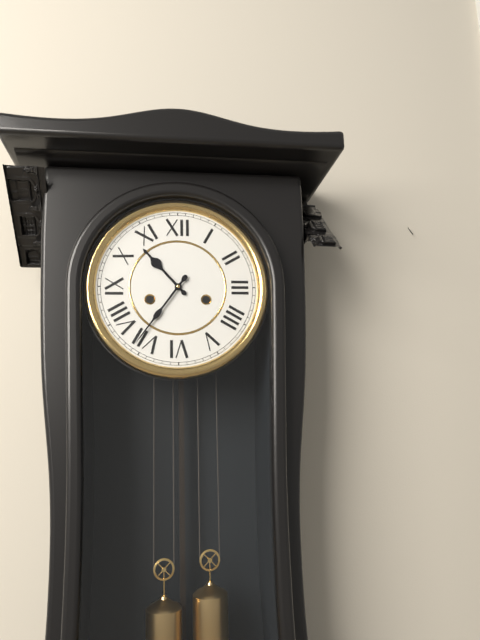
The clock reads h=10 m=36
